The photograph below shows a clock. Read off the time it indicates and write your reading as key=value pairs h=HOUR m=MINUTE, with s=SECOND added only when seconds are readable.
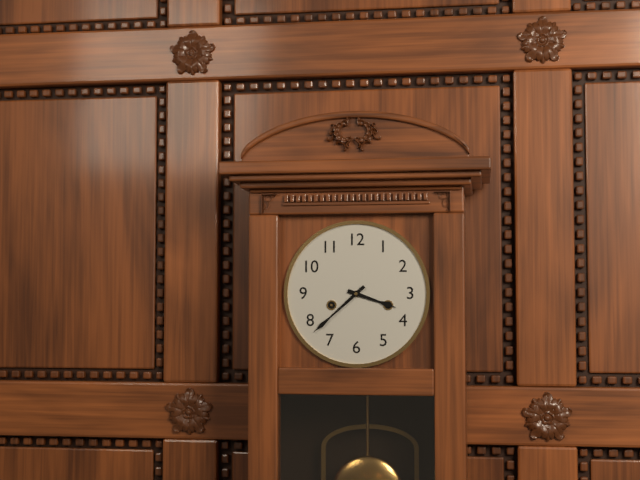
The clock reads h=3 m=38
